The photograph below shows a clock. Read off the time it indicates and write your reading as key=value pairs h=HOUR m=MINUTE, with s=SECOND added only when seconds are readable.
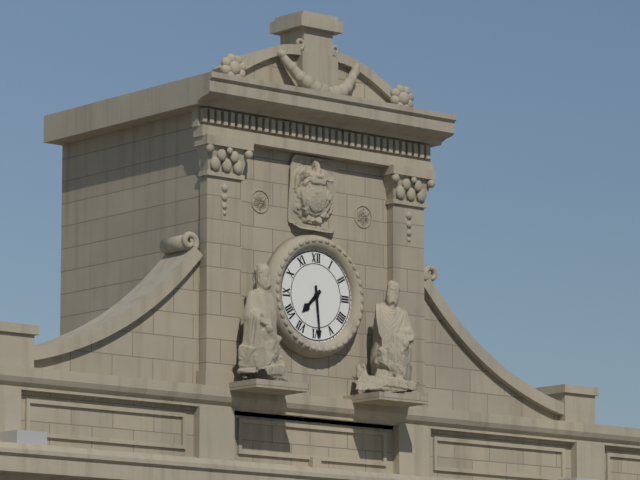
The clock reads h=7 m=29
